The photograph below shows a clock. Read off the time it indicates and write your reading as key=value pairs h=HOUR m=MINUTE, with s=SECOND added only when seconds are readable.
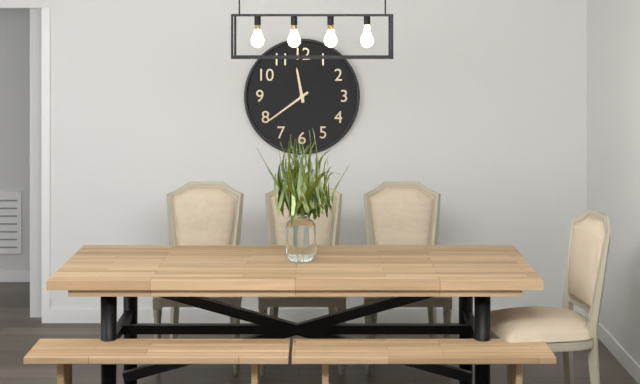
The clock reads h=11 m=39
